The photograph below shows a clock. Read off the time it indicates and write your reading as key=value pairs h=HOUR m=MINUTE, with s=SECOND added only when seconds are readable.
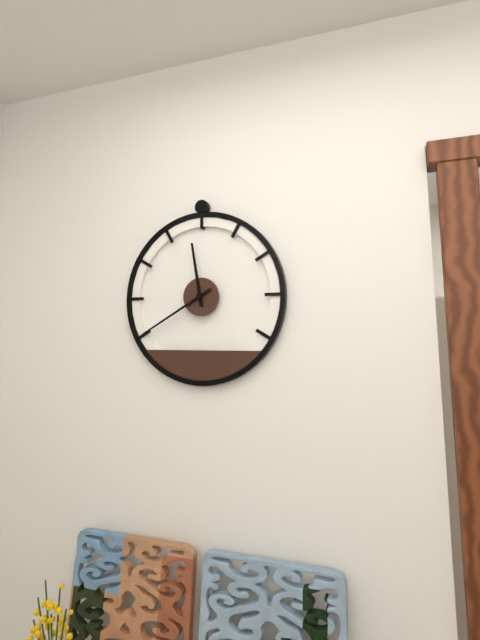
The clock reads h=11 m=40
